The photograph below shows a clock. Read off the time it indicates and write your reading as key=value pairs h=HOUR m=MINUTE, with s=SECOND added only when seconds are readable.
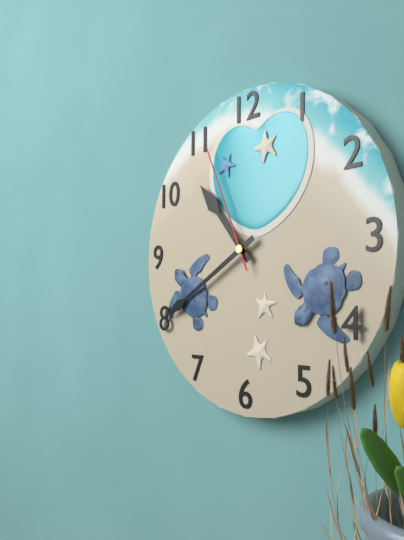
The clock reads h=10 m=40 s=56
